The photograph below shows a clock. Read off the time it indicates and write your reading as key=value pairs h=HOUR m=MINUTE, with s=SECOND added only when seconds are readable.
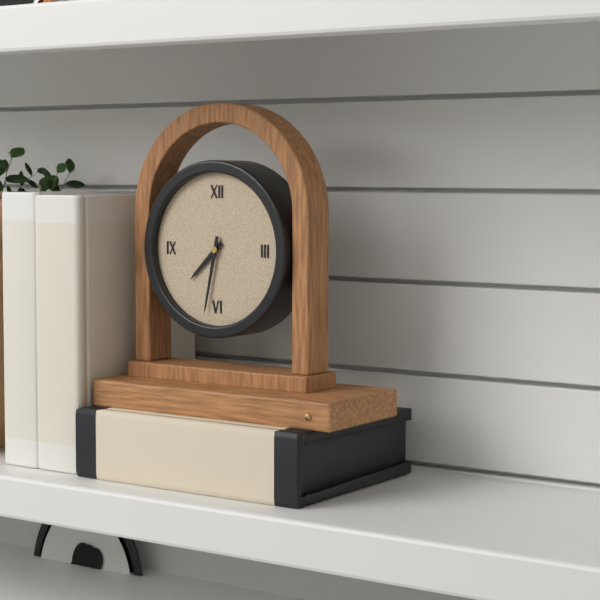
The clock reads h=7 m=32
